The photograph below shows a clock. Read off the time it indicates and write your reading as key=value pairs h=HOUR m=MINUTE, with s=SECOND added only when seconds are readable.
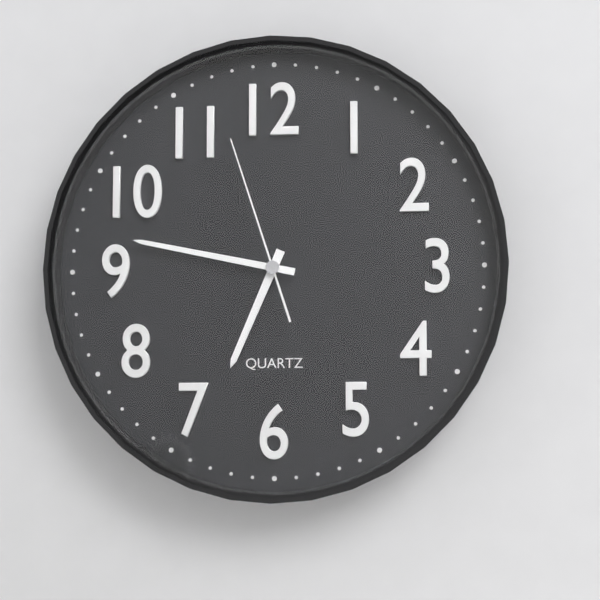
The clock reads h=6 m=47 s=57
